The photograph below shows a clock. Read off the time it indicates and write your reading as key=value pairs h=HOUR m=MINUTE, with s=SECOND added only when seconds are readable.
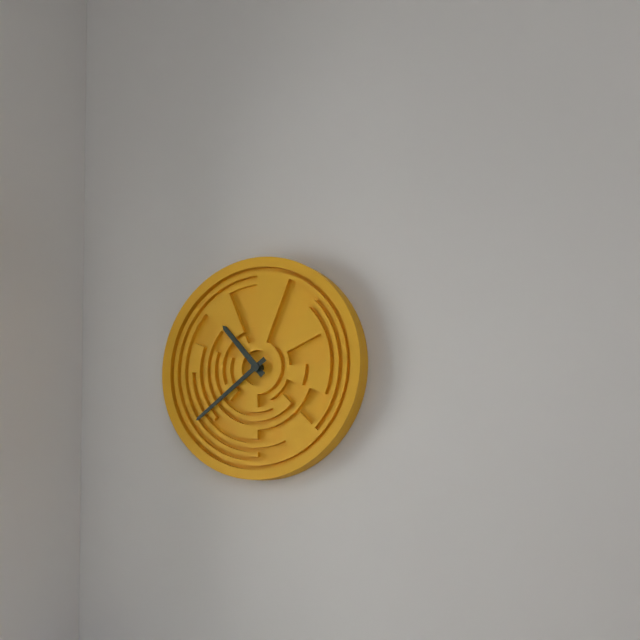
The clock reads h=10 m=39
